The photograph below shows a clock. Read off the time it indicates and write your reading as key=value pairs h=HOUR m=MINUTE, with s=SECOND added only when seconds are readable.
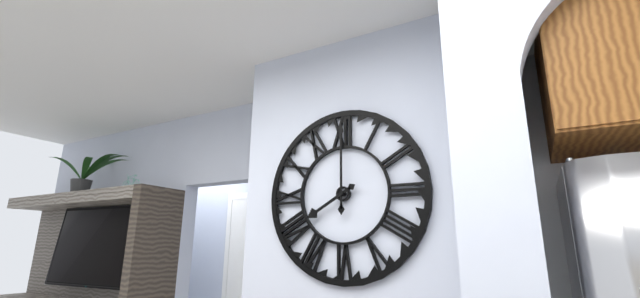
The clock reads h=8 m=0
